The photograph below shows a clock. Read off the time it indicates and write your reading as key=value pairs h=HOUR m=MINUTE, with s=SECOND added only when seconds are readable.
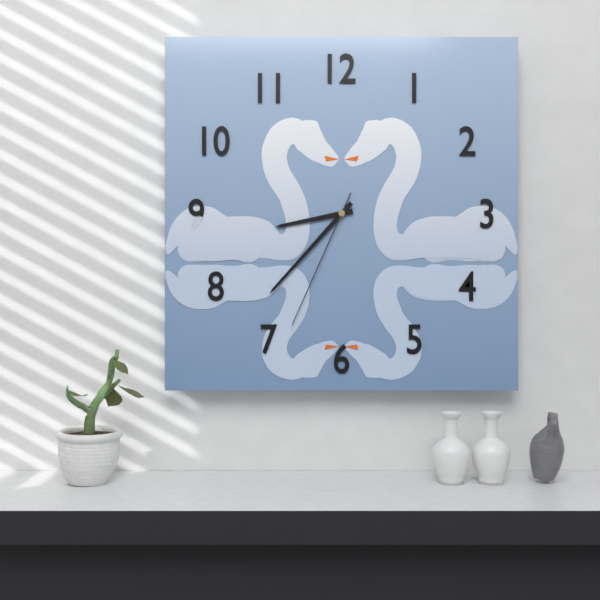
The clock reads h=8 m=37 s=34
